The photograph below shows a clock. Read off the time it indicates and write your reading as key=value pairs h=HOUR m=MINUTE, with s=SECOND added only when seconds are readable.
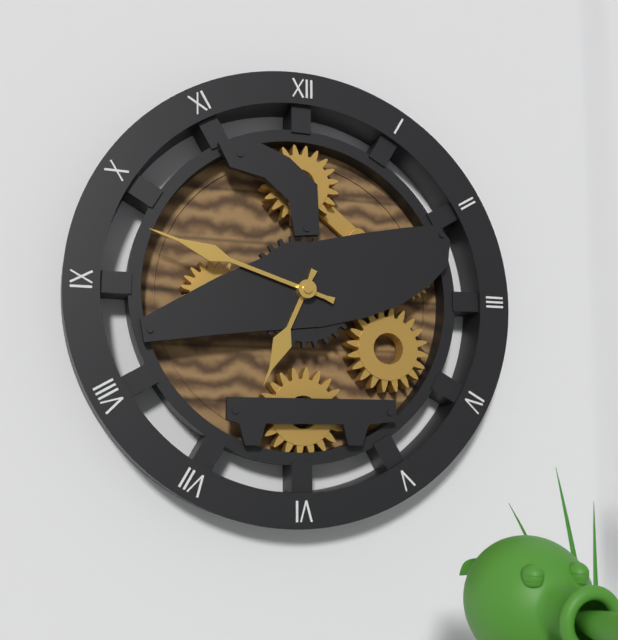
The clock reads h=6 m=48
